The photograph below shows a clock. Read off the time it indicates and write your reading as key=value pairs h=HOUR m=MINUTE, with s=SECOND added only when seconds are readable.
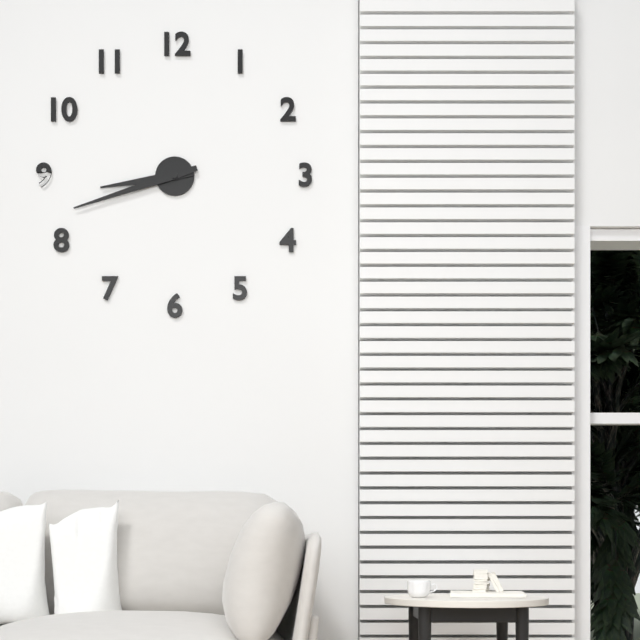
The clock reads h=8 m=42
